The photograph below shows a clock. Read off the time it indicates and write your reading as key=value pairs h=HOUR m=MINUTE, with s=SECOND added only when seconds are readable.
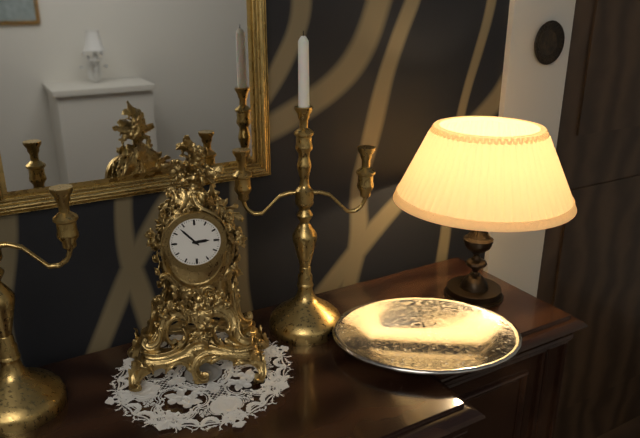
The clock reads h=2 m=53
